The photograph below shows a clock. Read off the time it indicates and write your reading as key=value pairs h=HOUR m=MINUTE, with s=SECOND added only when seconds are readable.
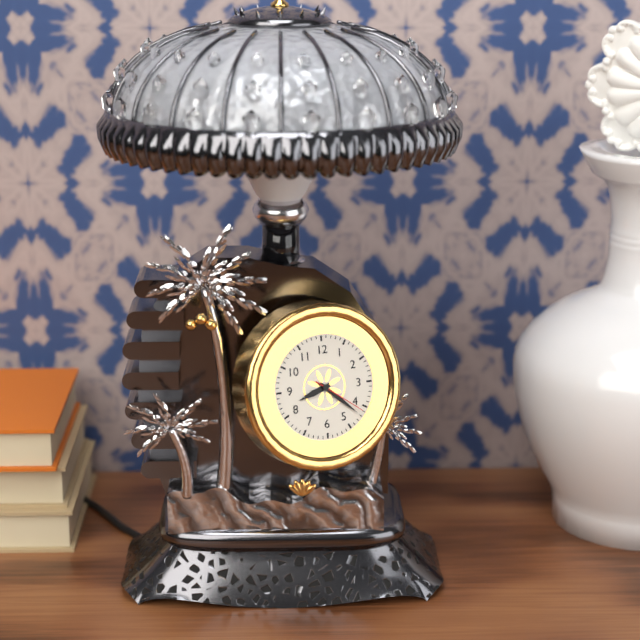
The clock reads h=8 m=22 s=21
